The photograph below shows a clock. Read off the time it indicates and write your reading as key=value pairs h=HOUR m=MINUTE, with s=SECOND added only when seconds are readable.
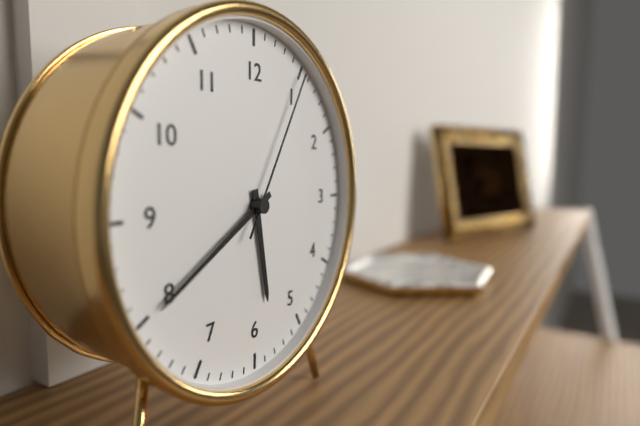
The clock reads h=5 m=40 s=5
